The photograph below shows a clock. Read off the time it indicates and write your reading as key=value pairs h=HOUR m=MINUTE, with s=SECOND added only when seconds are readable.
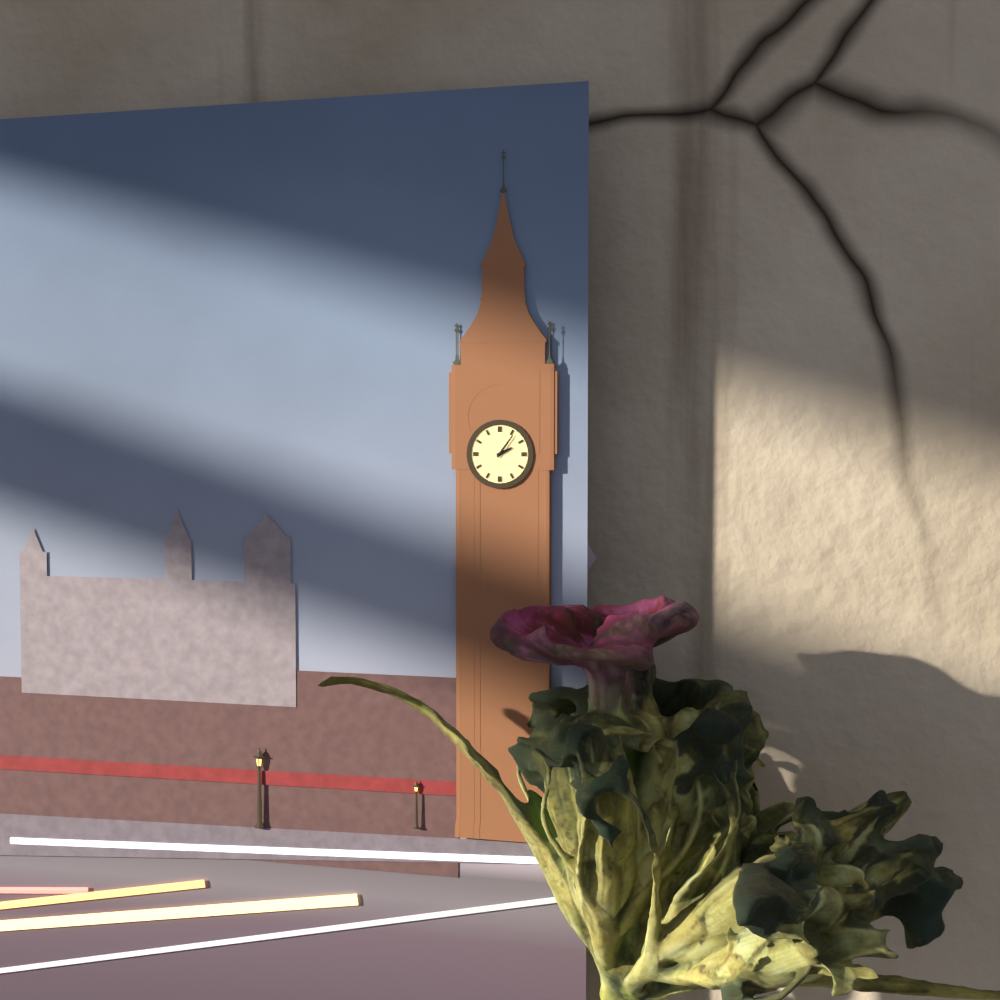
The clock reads h=2 m=6
